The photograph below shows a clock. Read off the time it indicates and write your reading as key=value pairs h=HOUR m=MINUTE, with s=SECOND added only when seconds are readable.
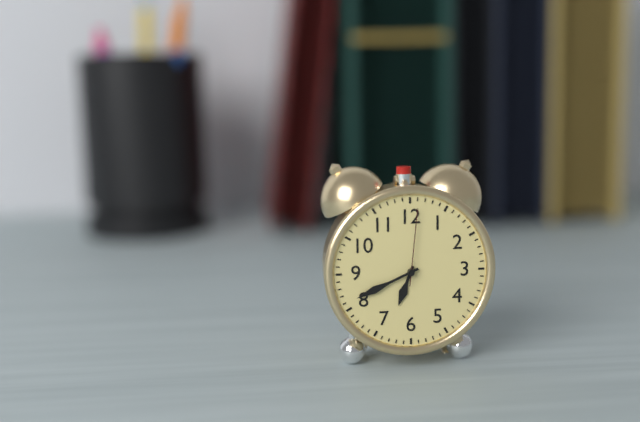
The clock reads h=6 m=41 s=1
